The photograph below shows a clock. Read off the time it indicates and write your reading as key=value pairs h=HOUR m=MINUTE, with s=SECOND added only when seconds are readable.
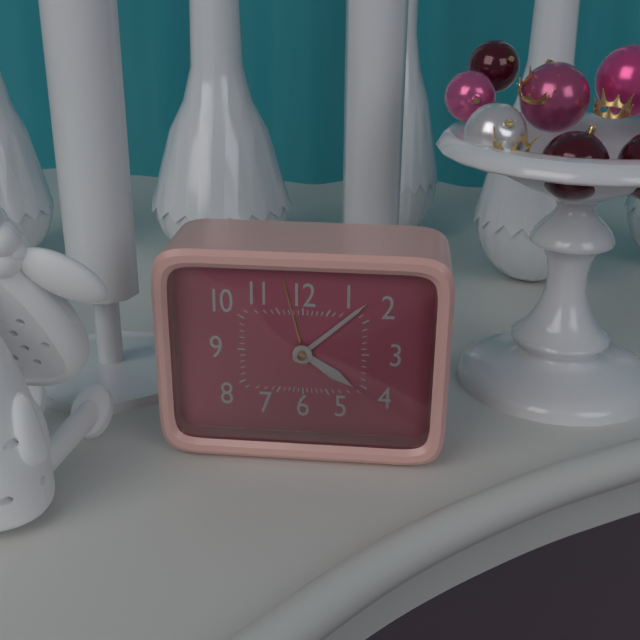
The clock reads h=4 m=8
